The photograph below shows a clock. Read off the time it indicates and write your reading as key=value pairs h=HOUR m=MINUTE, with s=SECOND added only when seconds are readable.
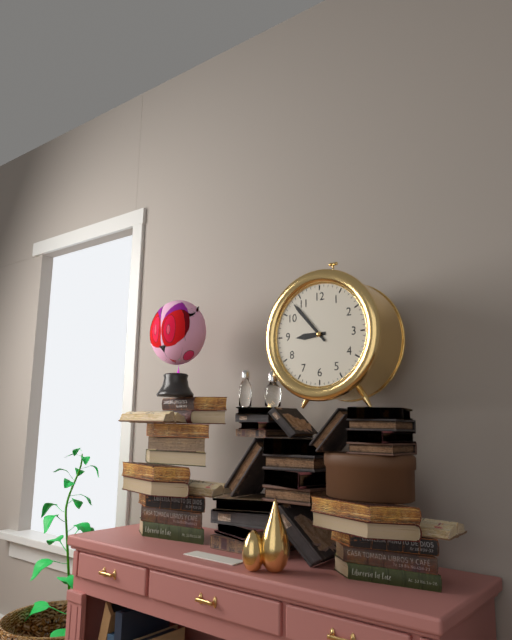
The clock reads h=8 m=53
